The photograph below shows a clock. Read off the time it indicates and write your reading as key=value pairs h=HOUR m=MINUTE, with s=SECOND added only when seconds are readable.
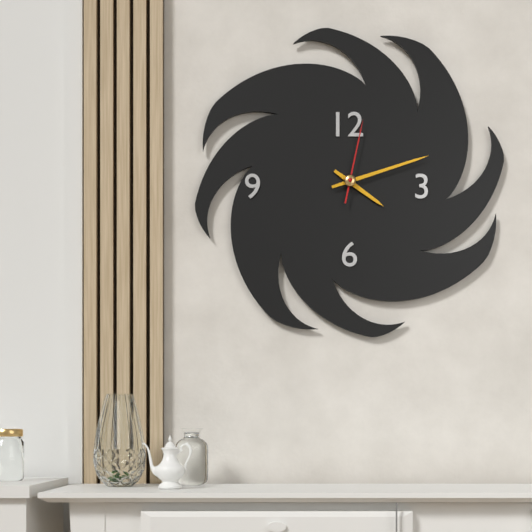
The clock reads h=4 m=12 s=2
